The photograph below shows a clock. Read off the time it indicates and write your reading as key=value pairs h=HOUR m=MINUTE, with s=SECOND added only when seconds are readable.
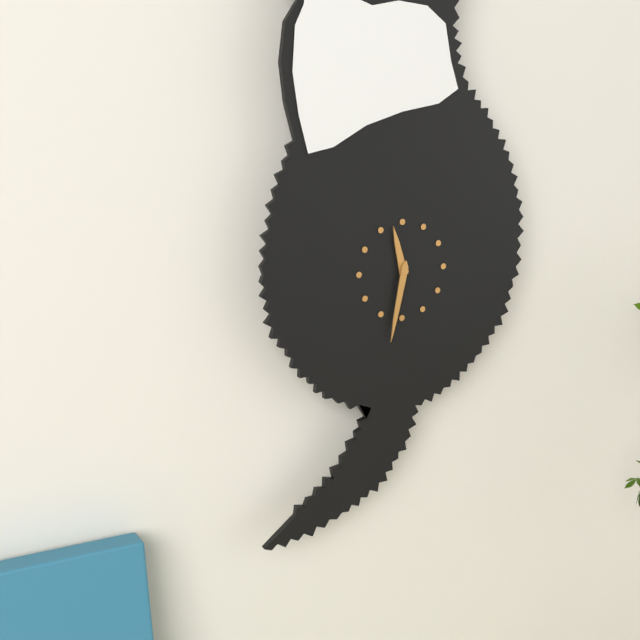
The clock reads h=11 m=32
